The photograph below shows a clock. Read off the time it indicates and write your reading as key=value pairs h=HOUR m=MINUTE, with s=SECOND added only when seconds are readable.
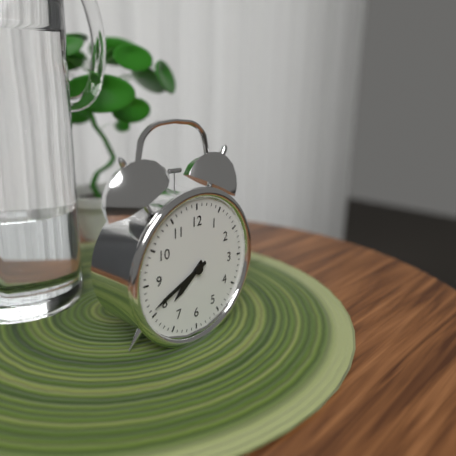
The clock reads h=7 m=41
